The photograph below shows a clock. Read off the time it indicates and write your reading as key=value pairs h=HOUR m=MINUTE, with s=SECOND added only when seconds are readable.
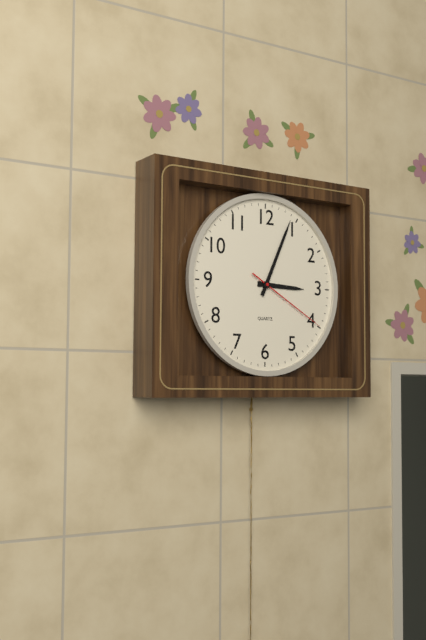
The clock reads h=3 m=4 s=20
